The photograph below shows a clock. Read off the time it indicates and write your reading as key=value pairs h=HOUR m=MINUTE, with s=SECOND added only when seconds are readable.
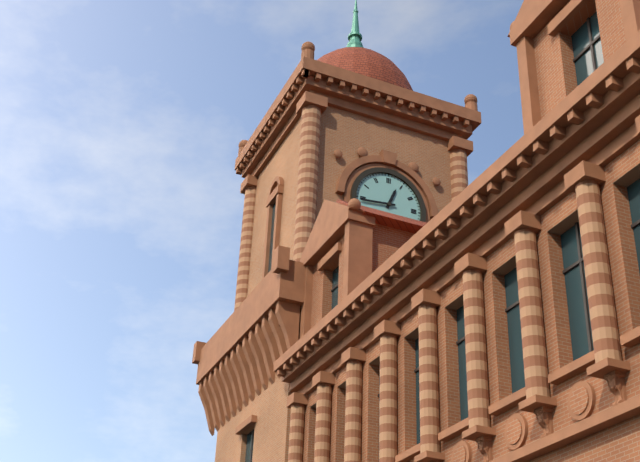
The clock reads h=12 m=44
